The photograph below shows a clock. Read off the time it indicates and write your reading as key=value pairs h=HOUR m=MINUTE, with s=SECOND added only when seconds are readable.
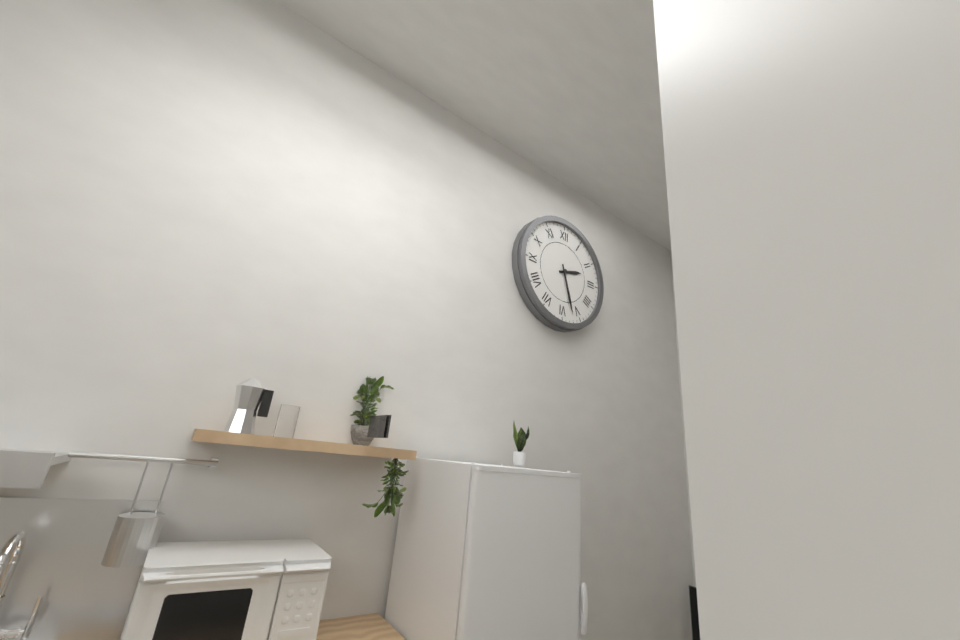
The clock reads h=2 m=27
